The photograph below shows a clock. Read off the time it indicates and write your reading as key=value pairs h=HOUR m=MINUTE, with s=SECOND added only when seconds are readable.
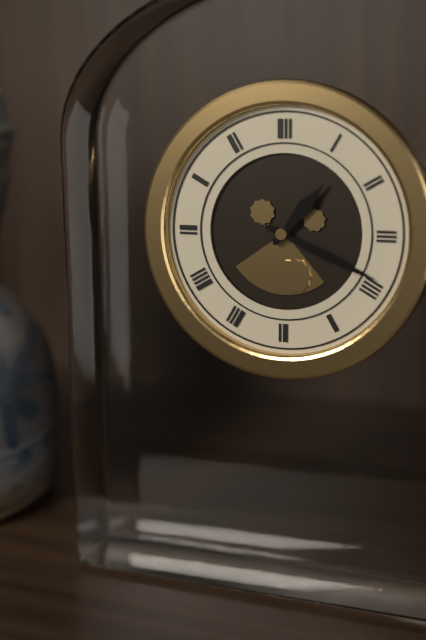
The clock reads h=1 m=19
